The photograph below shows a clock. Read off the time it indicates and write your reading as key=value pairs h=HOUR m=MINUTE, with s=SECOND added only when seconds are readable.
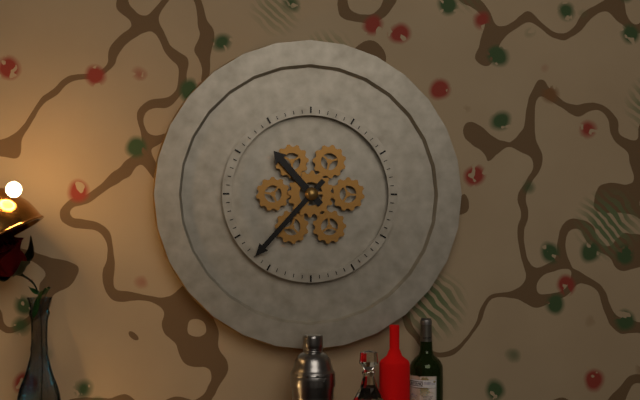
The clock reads h=10 m=37
